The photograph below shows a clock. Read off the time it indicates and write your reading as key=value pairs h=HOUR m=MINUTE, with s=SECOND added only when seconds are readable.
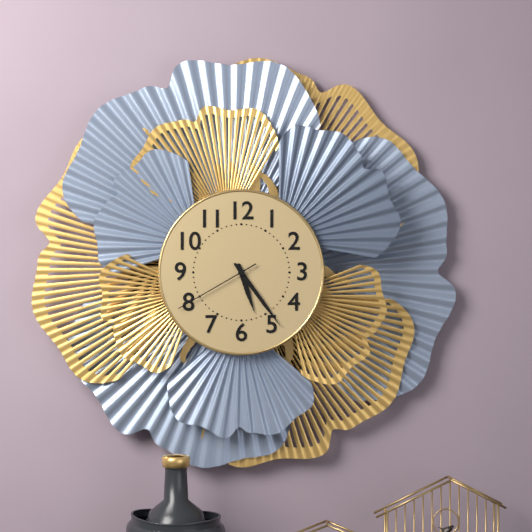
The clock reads h=5 m=24 s=40
